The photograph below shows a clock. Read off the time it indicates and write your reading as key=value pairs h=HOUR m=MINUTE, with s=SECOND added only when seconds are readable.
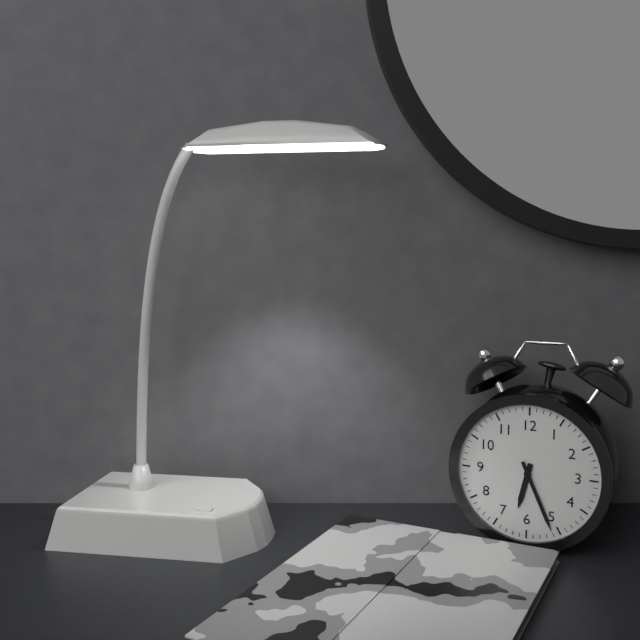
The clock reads h=6 m=26
